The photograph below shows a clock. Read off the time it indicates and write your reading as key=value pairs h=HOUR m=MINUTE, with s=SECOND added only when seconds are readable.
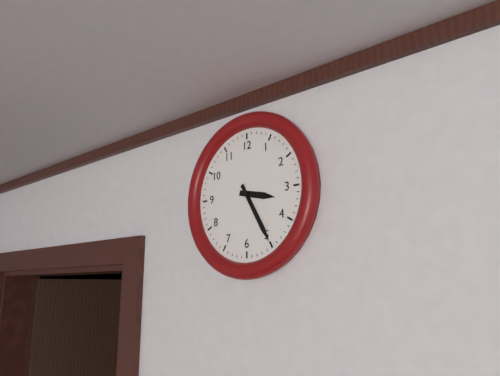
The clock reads h=3 m=25
